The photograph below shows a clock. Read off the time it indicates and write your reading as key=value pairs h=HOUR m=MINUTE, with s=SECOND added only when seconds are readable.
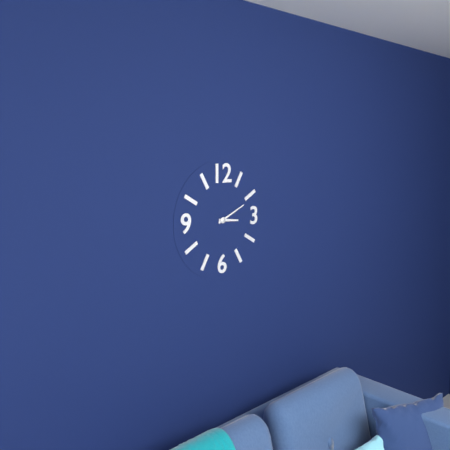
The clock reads h=3 m=11
